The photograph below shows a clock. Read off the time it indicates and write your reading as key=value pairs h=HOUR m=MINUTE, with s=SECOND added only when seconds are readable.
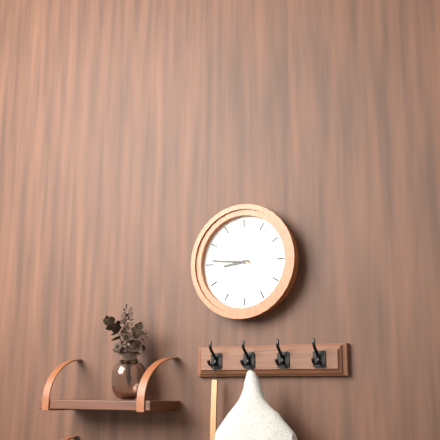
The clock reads h=8 m=46
